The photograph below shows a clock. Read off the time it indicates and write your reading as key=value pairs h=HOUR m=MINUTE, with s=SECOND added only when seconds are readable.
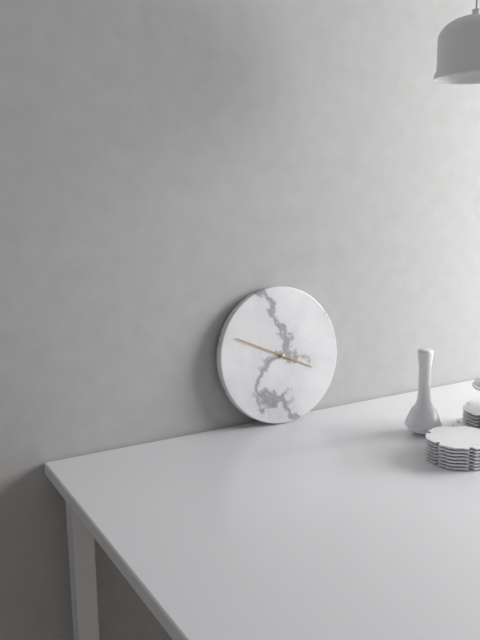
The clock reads h=3 m=49
